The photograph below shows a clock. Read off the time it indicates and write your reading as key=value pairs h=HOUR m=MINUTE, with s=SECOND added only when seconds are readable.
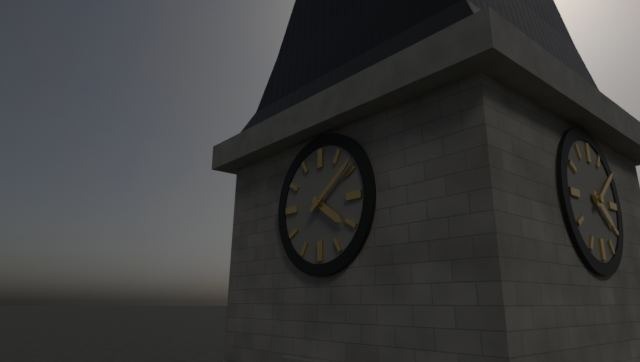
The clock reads h=4 m=9
